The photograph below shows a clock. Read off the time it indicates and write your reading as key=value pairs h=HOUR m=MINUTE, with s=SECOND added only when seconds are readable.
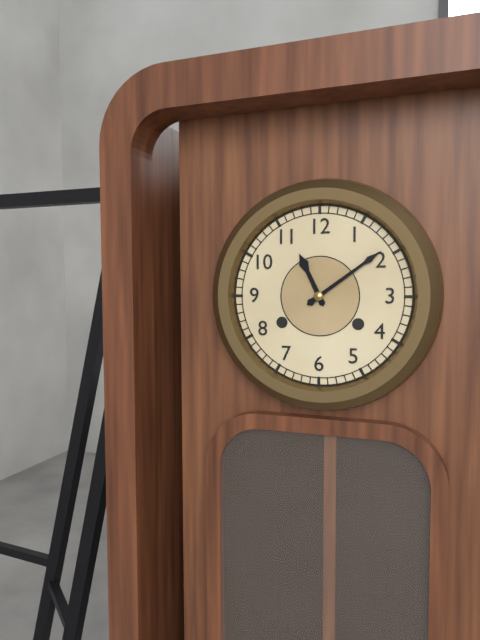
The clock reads h=11 m=9
